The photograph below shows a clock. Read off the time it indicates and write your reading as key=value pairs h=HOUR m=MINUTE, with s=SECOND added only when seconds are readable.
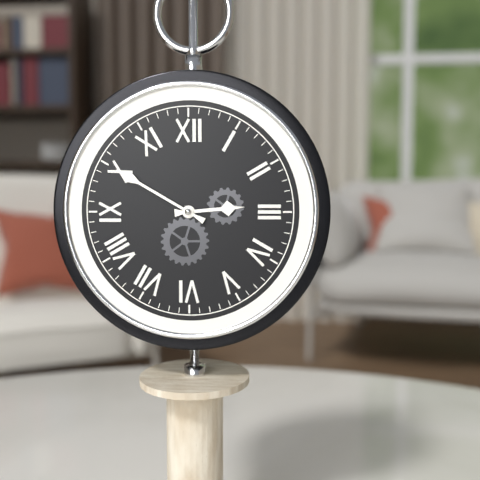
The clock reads h=2 m=50
